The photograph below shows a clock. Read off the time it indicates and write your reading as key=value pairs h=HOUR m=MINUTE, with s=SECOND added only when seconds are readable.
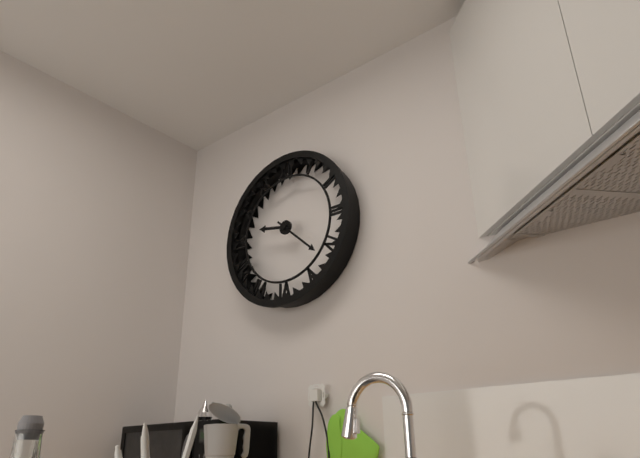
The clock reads h=9 m=22
